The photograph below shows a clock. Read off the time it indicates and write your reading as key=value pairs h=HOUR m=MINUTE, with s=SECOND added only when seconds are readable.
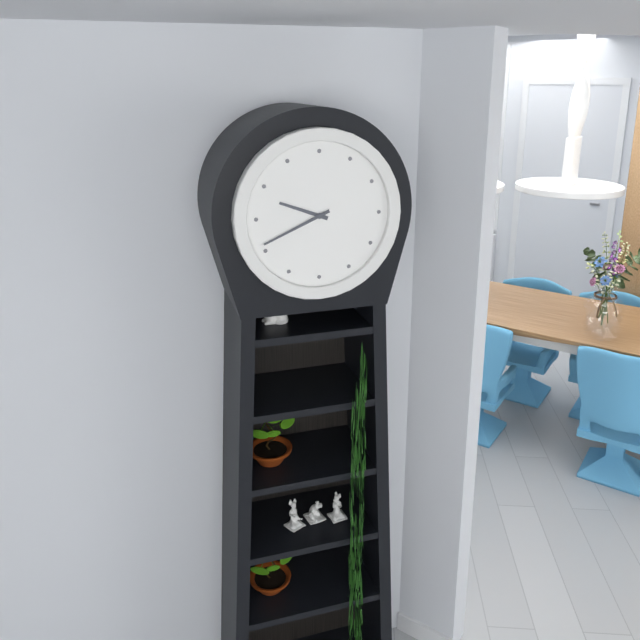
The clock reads h=9 m=41
